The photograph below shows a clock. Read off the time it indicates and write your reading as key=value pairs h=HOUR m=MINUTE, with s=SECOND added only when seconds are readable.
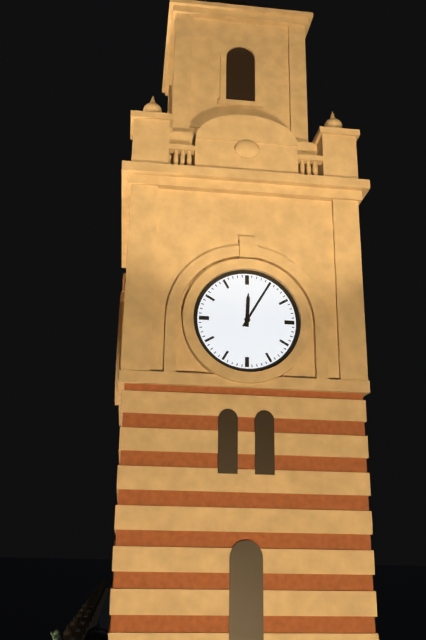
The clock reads h=12 m=5
